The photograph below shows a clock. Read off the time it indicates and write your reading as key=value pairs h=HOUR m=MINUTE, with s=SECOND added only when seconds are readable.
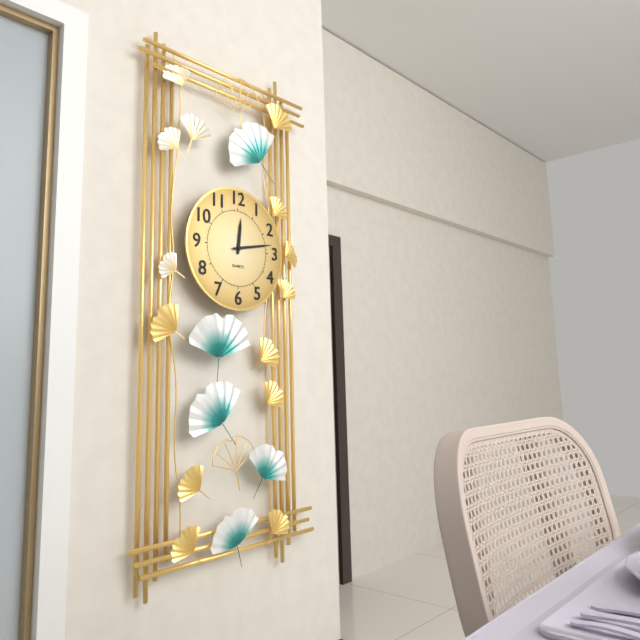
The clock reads h=12 m=13
